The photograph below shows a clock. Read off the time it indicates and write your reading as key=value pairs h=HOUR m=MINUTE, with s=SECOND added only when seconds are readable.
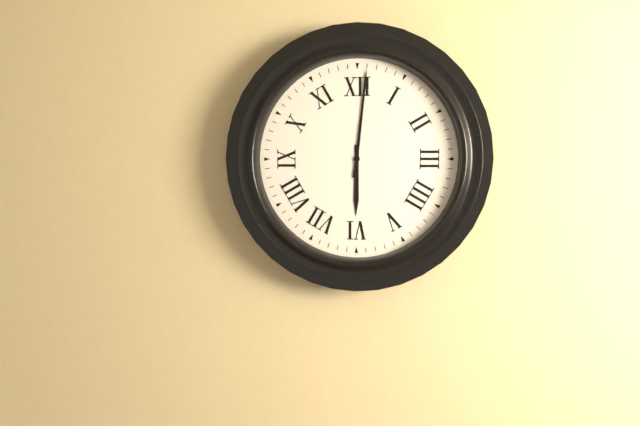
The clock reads h=6 m=1
